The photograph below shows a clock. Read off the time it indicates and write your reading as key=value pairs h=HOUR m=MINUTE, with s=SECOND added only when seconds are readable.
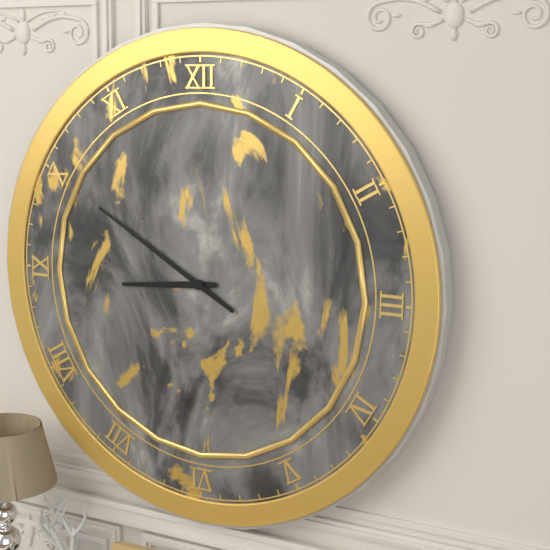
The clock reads h=8 m=50
